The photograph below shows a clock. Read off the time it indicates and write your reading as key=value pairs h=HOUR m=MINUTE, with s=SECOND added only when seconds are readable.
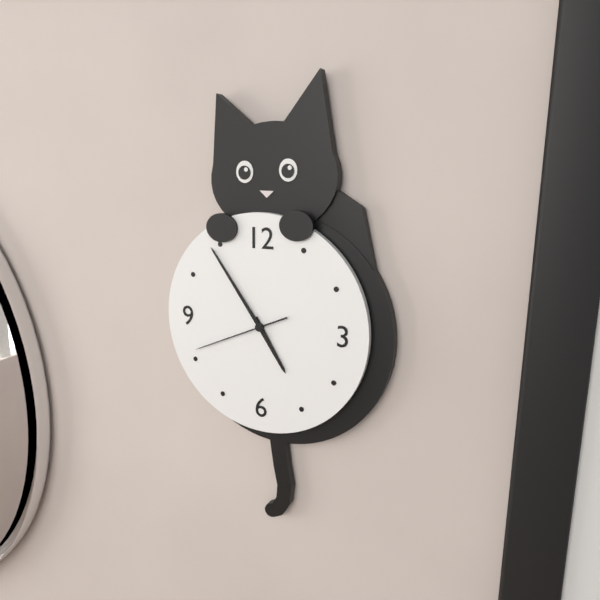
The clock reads h=4 m=54 s=41
